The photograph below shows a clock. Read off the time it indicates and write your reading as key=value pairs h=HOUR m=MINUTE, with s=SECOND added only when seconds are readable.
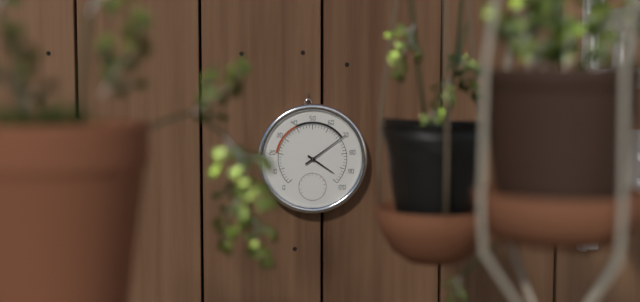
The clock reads h=4 m=9
